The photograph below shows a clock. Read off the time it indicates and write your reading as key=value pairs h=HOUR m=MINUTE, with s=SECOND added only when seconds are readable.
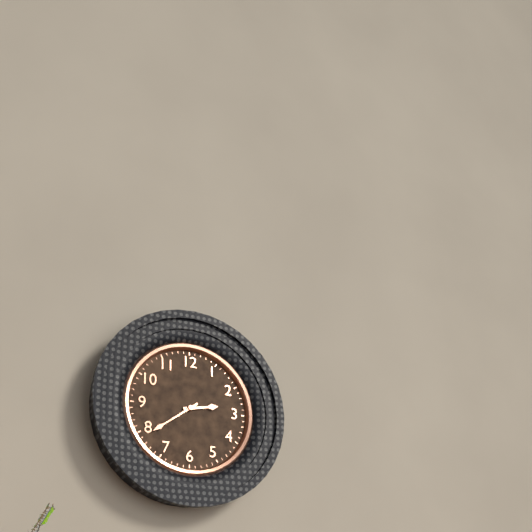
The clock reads h=2 m=39
